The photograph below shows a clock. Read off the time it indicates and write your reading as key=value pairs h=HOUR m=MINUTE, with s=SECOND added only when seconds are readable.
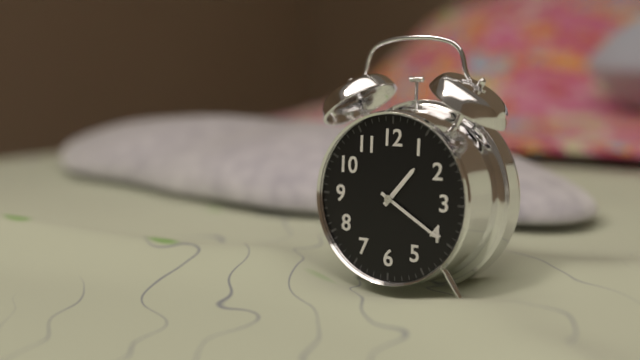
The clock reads h=1 m=20
